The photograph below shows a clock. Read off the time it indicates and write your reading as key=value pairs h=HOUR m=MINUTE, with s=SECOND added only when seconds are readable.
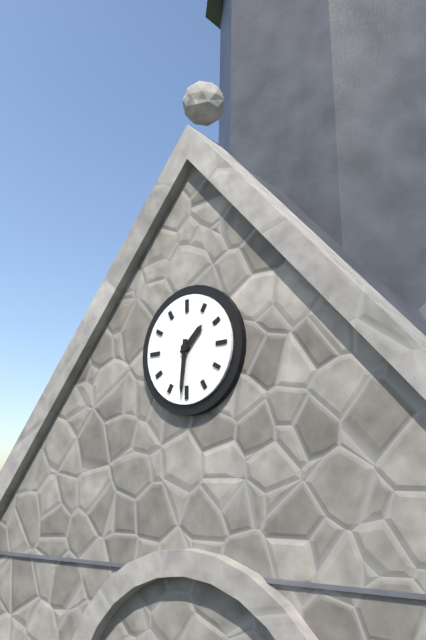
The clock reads h=1 m=31
